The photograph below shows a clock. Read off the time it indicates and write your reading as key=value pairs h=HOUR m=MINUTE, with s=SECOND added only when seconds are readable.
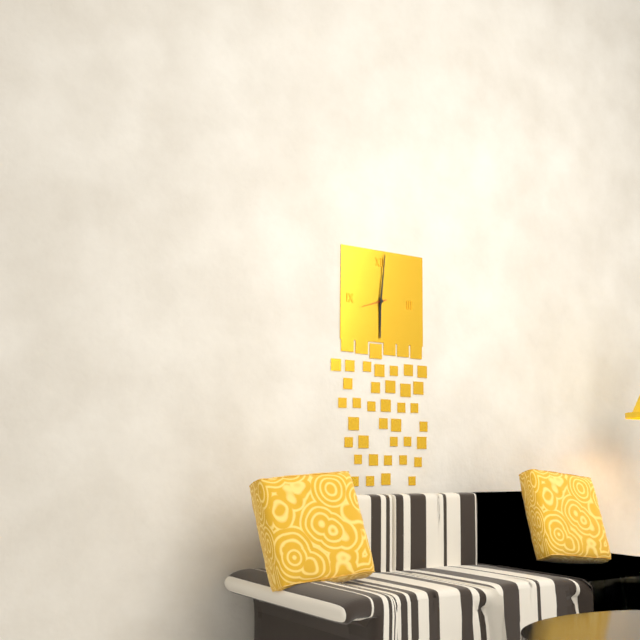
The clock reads h=6 m=1
